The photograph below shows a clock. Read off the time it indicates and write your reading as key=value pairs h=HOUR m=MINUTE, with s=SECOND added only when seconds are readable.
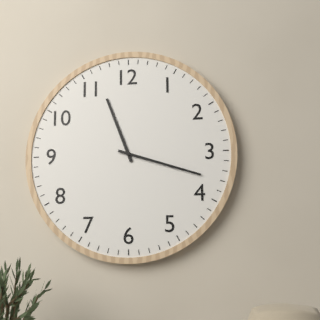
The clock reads h=11 m=18
